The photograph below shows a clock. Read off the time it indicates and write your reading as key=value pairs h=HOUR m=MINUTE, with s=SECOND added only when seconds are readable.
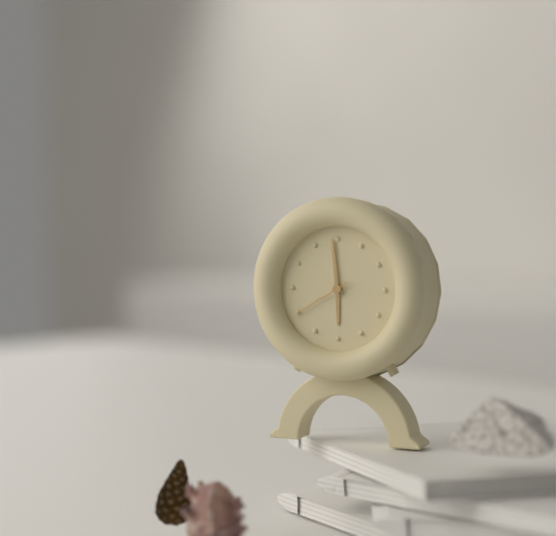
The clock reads h=5 m=59 s=40
